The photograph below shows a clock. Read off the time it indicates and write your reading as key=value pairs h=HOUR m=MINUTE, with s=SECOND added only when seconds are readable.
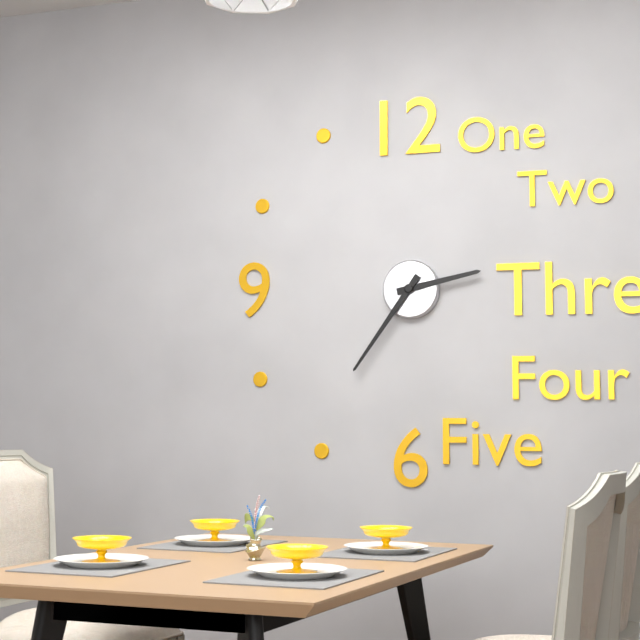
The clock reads h=2 m=36
